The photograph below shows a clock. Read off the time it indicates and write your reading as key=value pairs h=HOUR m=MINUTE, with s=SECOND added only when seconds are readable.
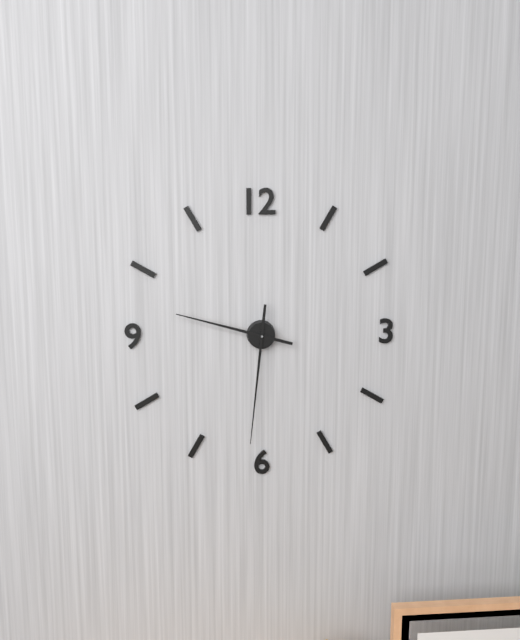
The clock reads h=9 m=31
